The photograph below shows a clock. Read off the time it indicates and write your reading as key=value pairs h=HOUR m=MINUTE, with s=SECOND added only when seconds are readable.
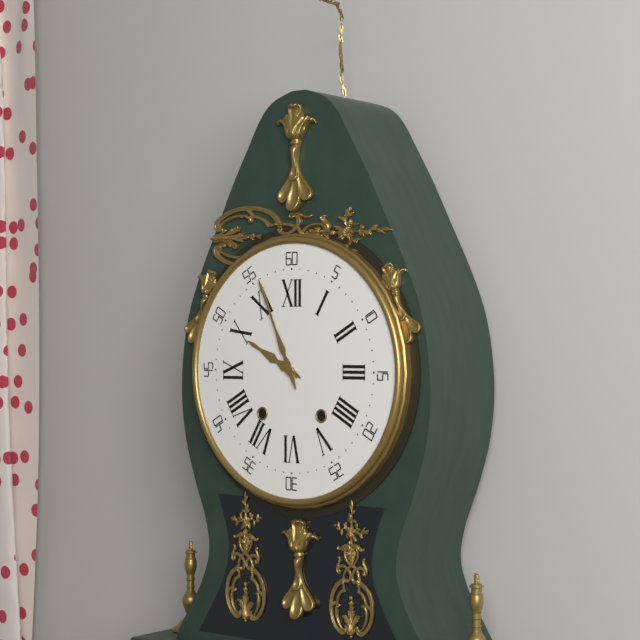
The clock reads h=9 m=56
